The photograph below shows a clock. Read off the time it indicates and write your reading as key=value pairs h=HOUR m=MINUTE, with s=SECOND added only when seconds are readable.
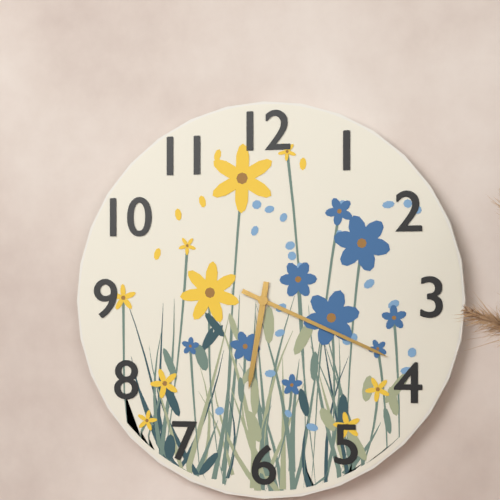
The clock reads h=6 m=19
